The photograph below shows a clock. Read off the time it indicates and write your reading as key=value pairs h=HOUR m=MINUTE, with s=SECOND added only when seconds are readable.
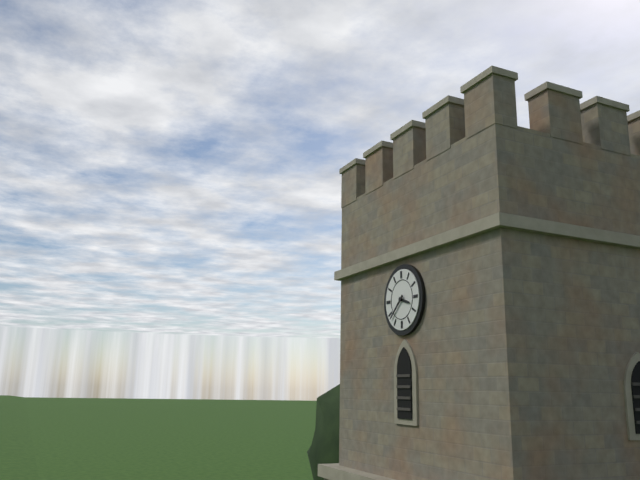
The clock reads h=3 m=38
